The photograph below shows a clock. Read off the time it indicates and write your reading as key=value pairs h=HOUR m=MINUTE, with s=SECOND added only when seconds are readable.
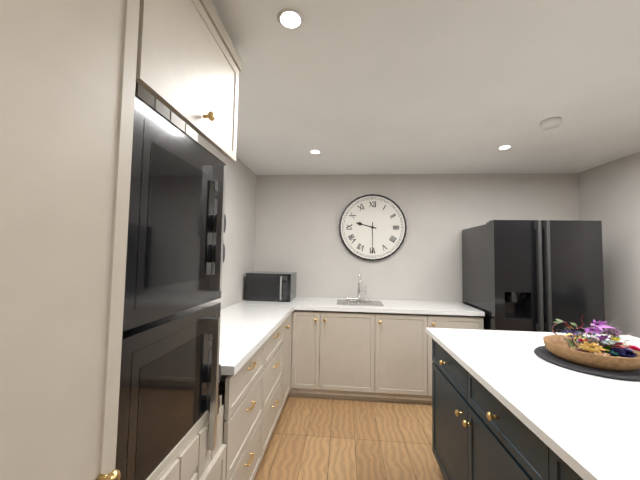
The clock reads h=9 m=30
